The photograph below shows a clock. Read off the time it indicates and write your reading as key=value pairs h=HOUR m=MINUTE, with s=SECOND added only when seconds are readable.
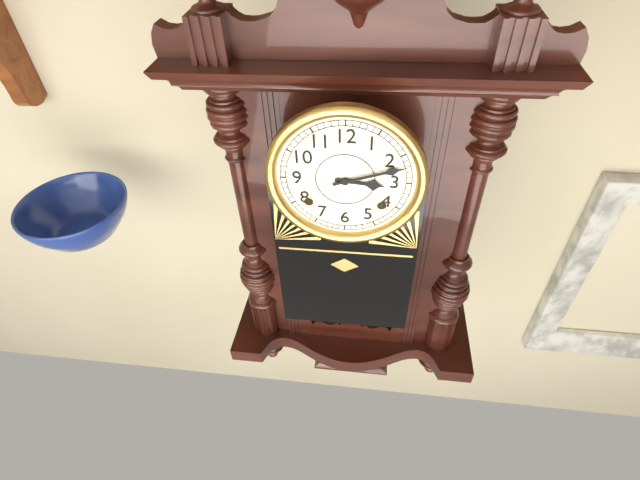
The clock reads h=3 m=12
